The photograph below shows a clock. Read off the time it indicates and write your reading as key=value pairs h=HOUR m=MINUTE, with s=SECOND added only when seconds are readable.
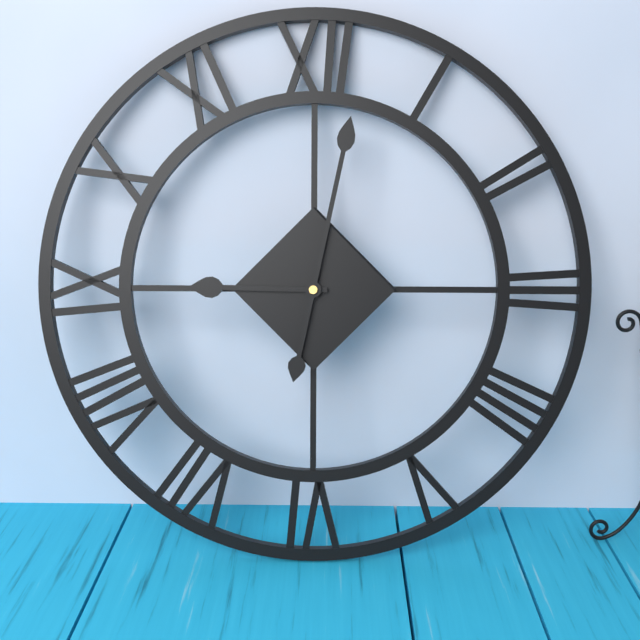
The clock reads h=9 m=2
